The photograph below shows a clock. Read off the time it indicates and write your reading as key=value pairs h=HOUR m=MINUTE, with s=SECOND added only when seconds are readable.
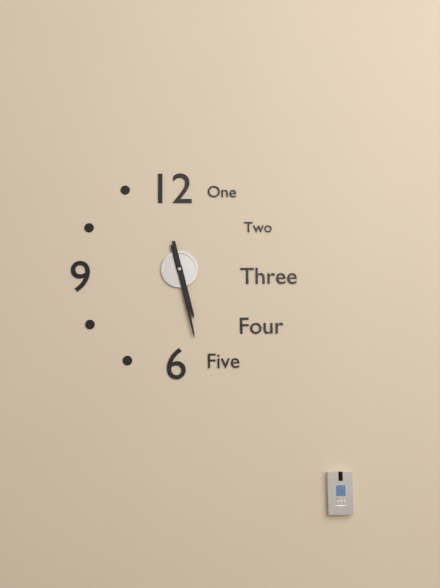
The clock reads h=5 m=28
